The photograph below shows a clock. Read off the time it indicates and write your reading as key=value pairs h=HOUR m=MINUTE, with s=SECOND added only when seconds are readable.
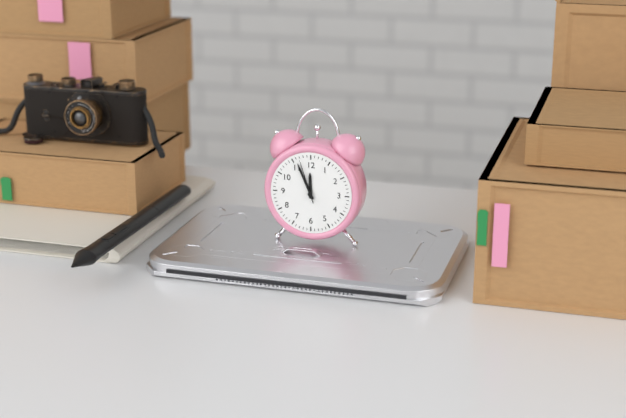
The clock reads h=11 m=56
